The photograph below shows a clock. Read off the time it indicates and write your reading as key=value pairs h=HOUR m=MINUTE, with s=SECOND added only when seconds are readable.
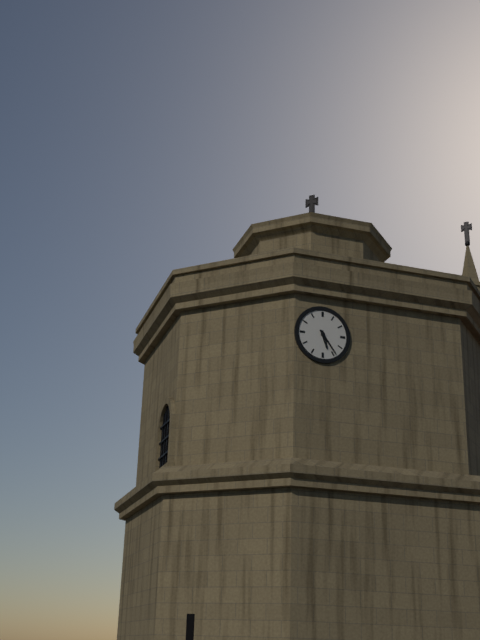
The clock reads h=5 m=24
